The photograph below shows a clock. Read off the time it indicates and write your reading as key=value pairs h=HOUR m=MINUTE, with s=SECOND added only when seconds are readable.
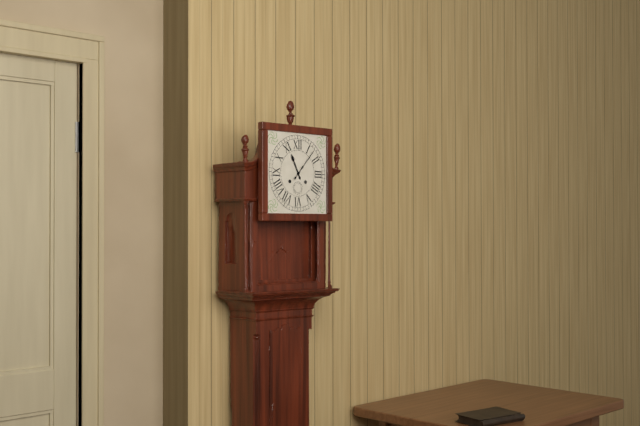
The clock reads h=11 m=7
